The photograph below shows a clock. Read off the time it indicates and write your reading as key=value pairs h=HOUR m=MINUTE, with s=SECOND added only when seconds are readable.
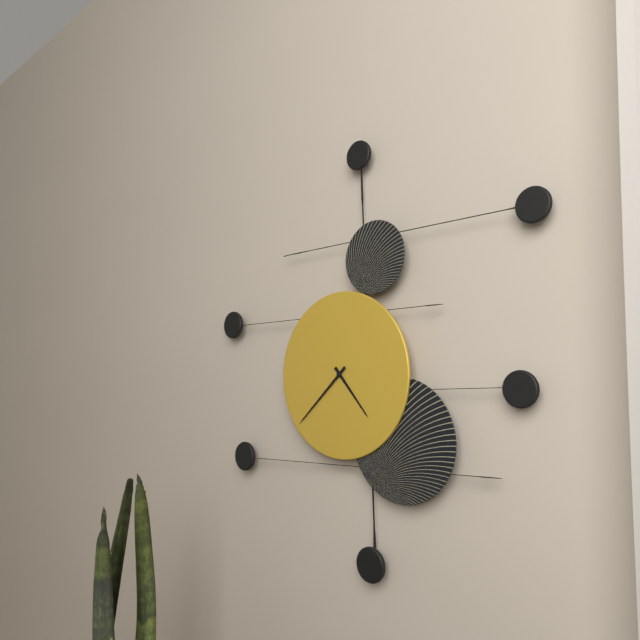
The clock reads h=4 m=38
